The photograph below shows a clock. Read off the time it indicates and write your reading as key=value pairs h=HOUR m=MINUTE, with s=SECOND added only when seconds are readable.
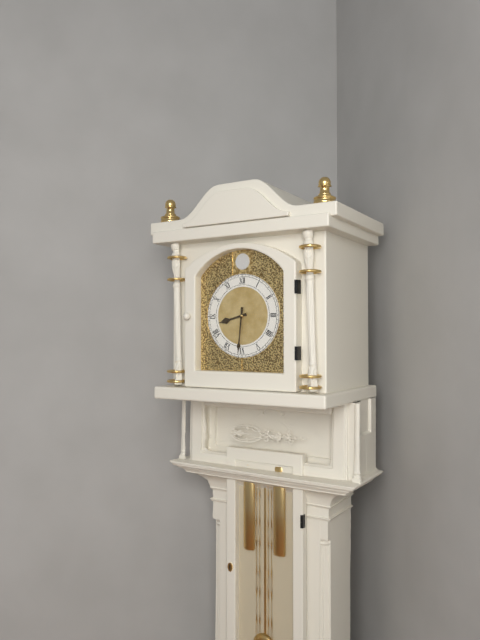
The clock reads h=8 m=31
